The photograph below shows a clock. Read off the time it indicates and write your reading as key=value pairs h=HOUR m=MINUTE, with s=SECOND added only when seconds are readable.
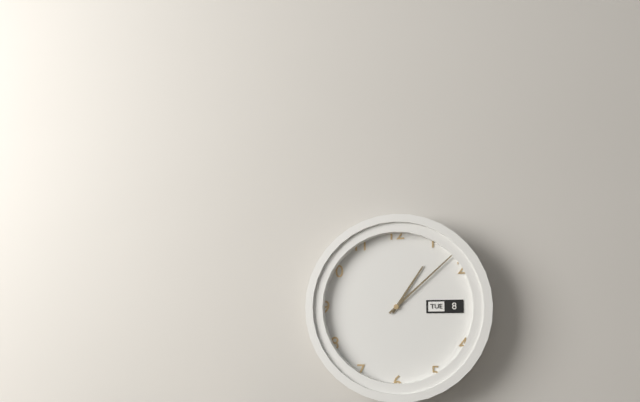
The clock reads h=1 m=8
